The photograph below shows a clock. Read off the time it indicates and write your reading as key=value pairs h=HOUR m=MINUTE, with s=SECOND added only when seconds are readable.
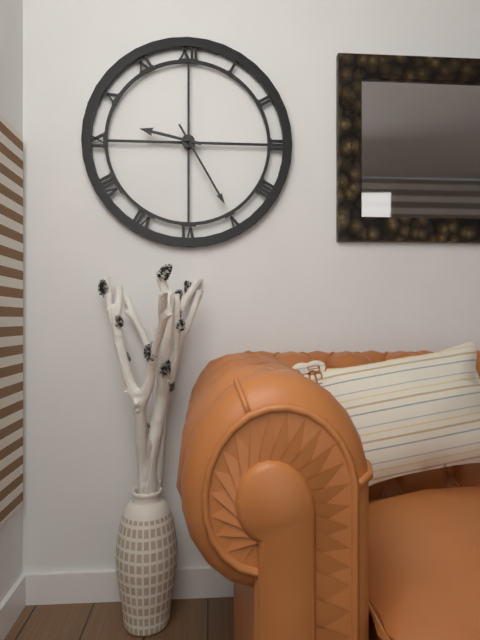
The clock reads h=9 m=25
